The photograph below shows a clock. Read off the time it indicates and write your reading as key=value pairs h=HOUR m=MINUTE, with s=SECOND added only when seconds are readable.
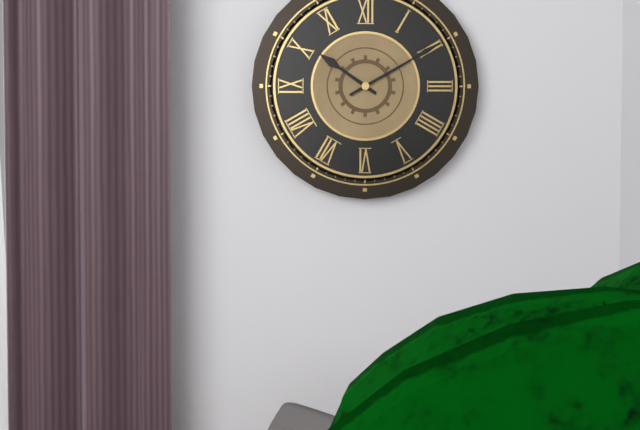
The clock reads h=10 m=10
